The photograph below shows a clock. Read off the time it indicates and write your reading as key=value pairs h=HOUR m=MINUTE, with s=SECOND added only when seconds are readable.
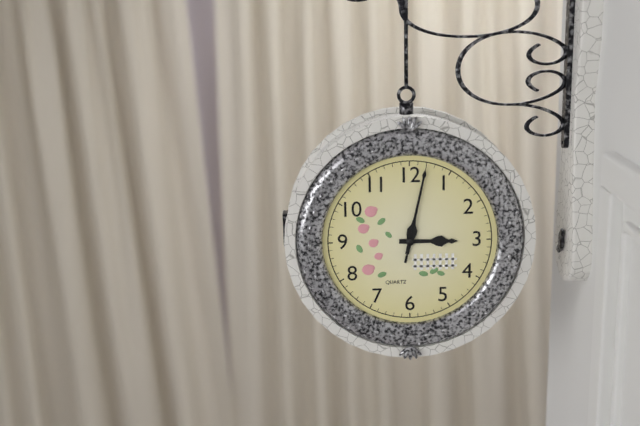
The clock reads h=3 m=2 s=2
